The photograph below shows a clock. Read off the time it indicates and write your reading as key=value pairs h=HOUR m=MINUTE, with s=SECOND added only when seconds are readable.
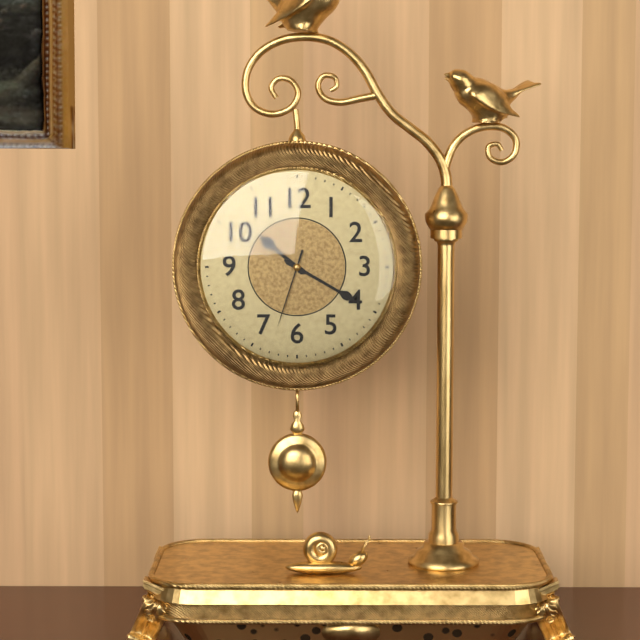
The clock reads h=10 m=20 s=33
